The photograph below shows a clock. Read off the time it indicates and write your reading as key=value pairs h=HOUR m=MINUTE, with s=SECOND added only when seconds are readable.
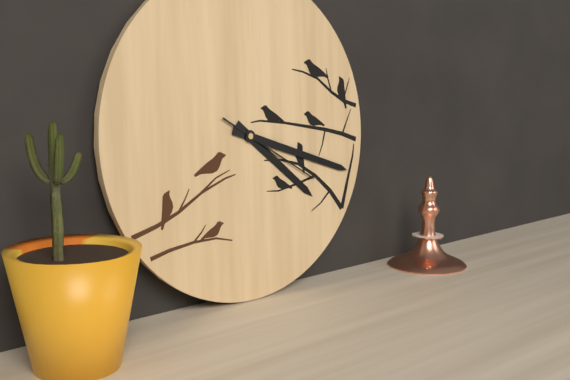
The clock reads h=4 m=18 s=20
